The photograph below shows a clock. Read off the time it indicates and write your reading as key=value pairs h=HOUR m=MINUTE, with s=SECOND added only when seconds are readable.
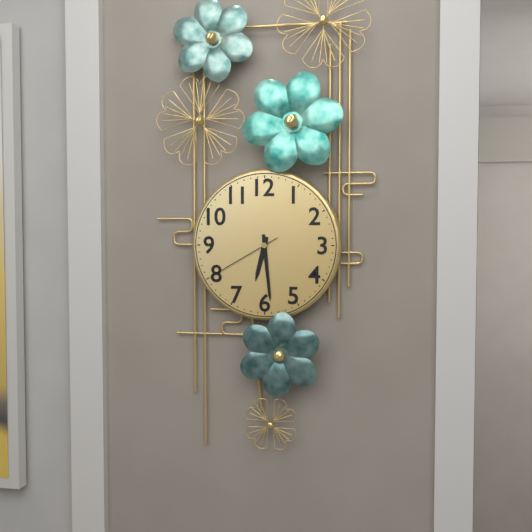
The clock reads h=6 m=29 s=40
